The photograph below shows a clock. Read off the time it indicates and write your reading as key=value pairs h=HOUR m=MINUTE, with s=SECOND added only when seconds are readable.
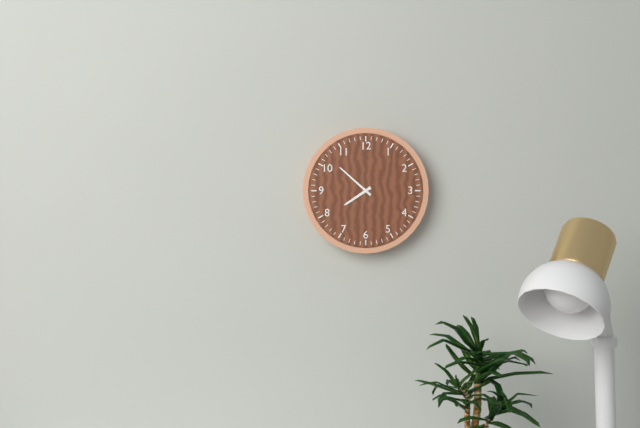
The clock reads h=7 m=52
